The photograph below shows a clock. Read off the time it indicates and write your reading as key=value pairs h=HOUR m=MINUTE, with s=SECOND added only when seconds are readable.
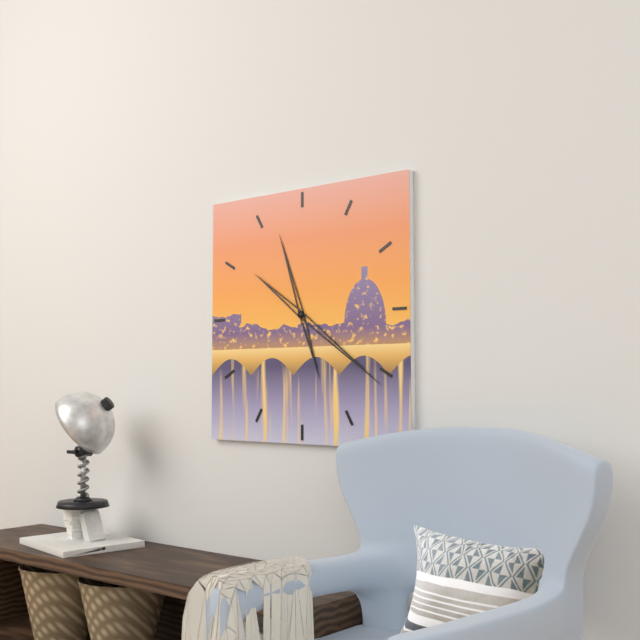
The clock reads h=11 m=21
